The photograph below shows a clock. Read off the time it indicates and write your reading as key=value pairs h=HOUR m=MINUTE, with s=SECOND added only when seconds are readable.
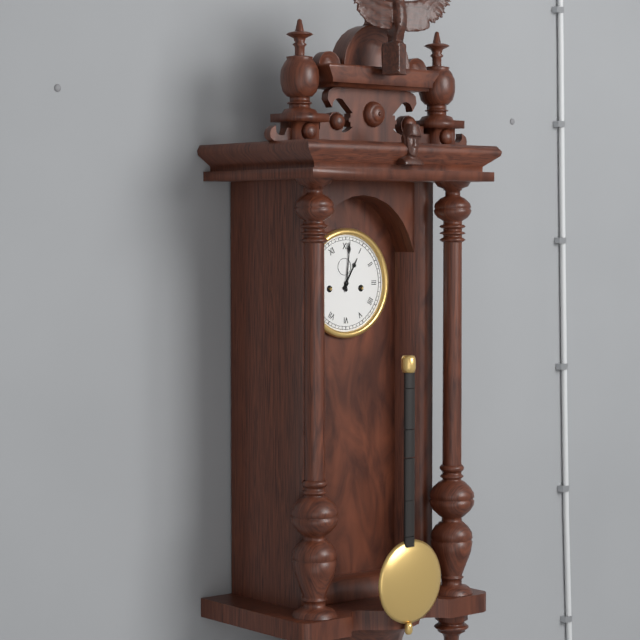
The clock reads h=1 m=1
